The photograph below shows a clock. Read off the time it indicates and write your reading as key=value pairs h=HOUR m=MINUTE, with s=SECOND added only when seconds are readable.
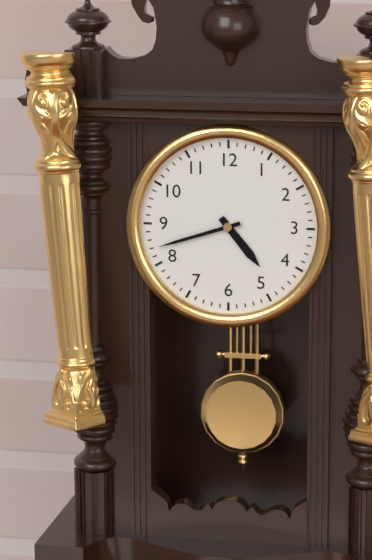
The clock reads h=4 m=42
